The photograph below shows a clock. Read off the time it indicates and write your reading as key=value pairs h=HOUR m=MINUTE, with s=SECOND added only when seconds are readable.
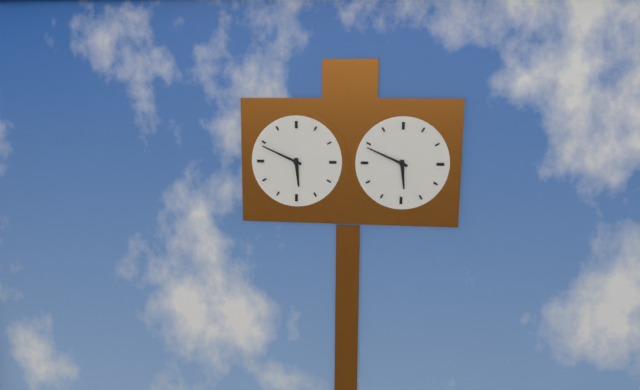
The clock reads h=5 m=49
